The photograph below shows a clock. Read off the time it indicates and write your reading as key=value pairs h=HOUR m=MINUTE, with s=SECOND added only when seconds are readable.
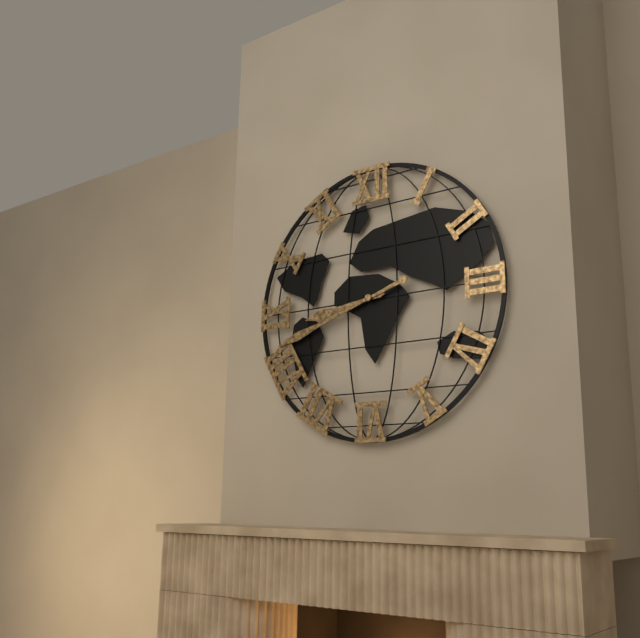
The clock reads h=8 m=42
